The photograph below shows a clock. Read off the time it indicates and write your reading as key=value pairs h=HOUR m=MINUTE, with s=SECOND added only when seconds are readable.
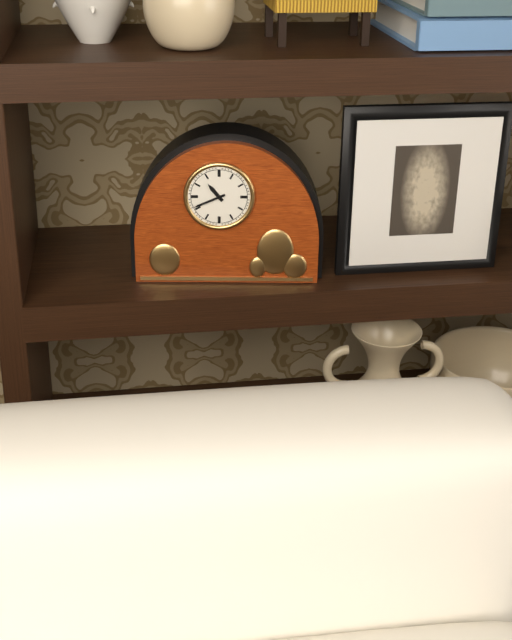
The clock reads h=10 m=41
